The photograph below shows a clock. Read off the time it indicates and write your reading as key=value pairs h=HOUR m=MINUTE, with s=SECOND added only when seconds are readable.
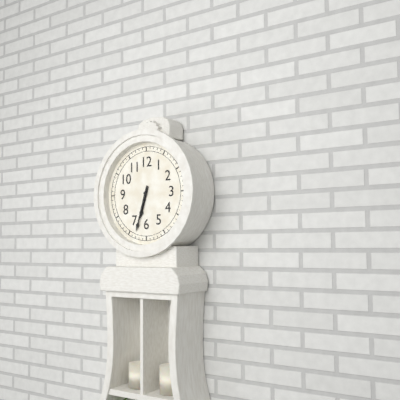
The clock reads h=6 m=33
